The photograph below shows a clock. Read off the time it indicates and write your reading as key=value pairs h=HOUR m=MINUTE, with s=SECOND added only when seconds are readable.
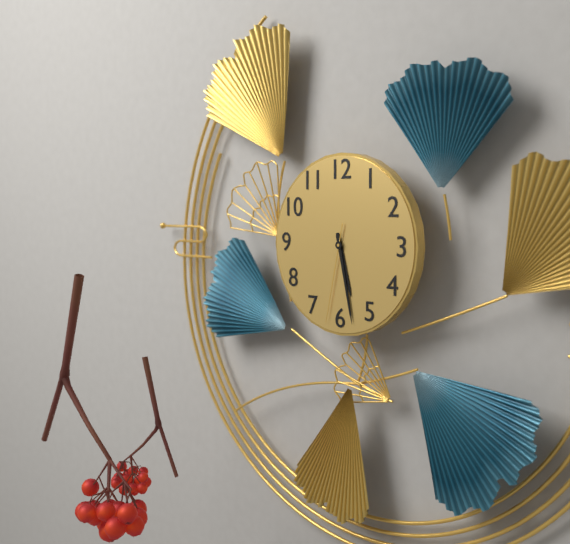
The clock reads h=5 m=28 s=32
